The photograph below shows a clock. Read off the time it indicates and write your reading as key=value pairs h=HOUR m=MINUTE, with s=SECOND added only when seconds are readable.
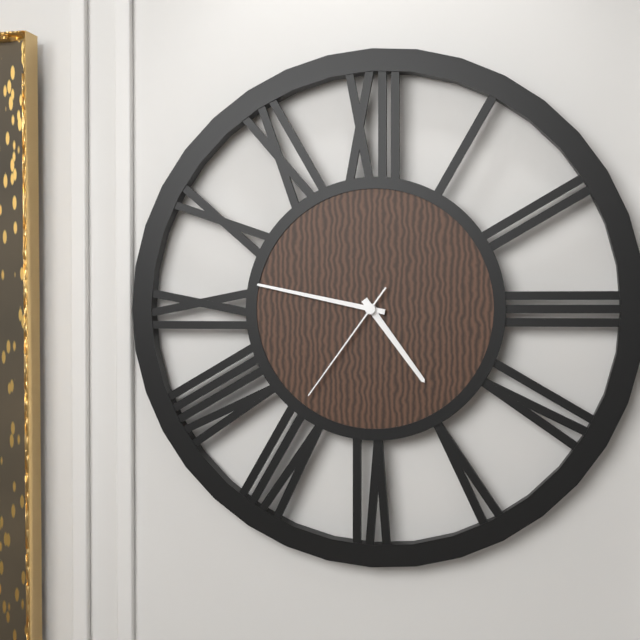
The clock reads h=4 m=47 s=36
